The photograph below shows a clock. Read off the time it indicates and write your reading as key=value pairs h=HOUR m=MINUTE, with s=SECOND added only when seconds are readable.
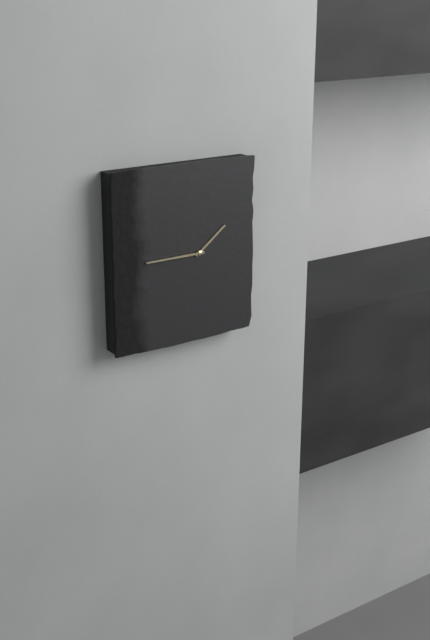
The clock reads h=1 m=45
